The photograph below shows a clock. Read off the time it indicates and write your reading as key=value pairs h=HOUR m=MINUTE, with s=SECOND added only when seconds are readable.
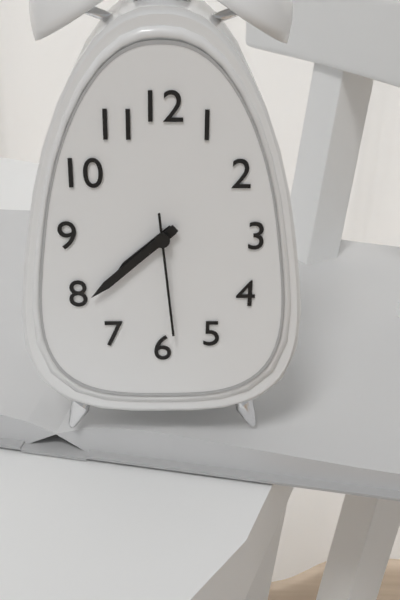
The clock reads h=7 m=38 s=29
